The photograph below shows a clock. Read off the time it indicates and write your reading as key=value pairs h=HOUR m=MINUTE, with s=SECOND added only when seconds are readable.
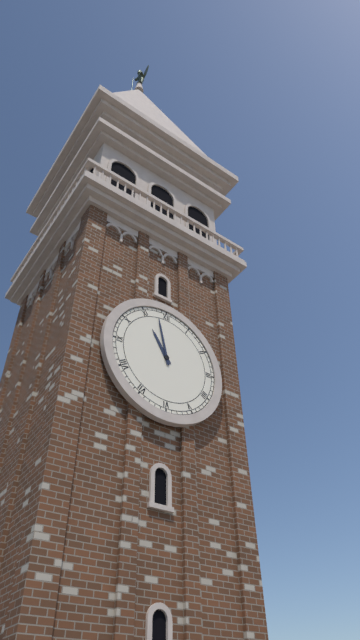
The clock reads h=10 m=58
